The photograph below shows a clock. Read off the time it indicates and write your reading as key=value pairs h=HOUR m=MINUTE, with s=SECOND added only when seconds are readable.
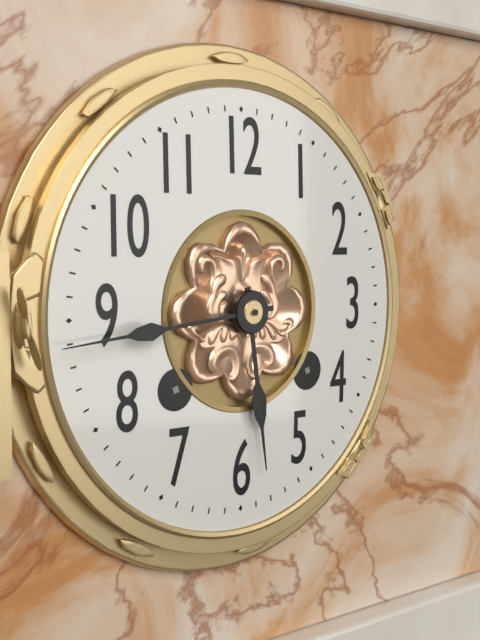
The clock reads h=5 m=44
